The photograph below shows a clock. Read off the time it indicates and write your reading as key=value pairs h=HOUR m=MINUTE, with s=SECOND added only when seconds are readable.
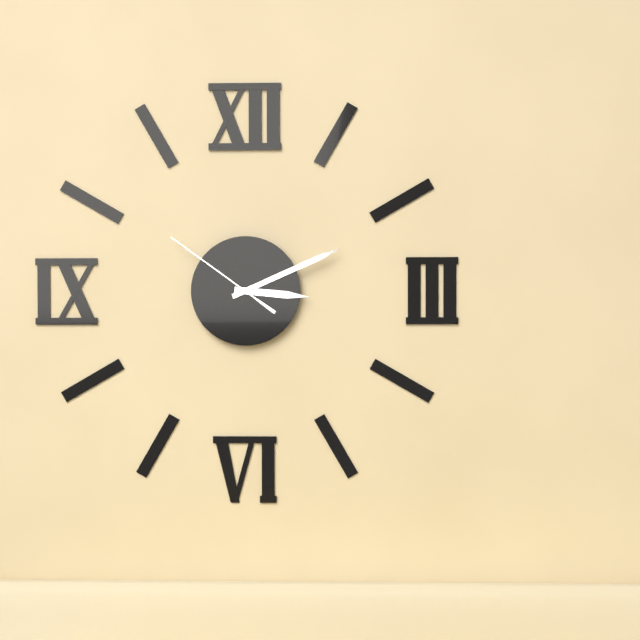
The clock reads h=3 m=11 s=51
